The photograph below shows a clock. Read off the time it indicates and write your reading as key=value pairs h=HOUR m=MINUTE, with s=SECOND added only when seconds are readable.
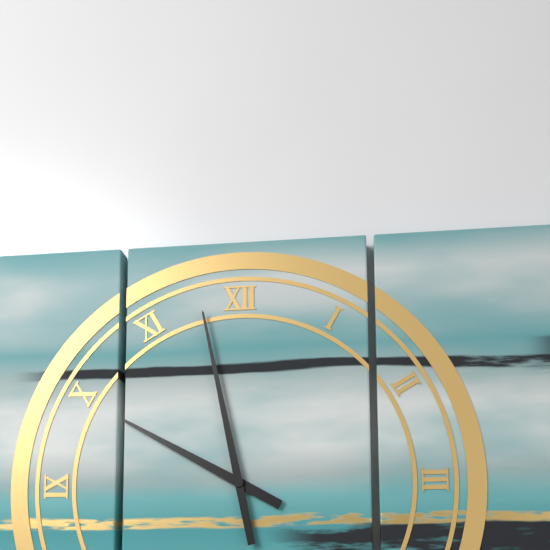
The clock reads h=9 m=58
